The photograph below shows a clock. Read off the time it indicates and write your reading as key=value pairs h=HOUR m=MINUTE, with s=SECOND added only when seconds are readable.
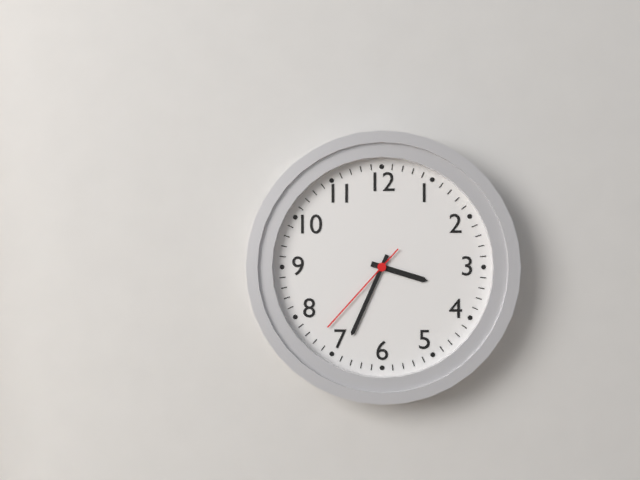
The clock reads h=3 m=34 s=37
